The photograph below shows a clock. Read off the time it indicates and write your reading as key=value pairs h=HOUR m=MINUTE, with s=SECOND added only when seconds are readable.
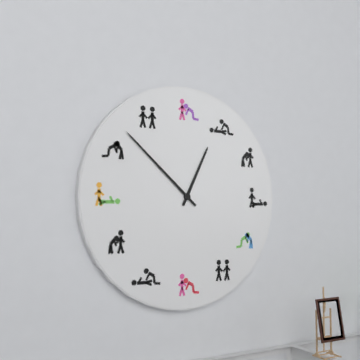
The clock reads h=12 m=52
